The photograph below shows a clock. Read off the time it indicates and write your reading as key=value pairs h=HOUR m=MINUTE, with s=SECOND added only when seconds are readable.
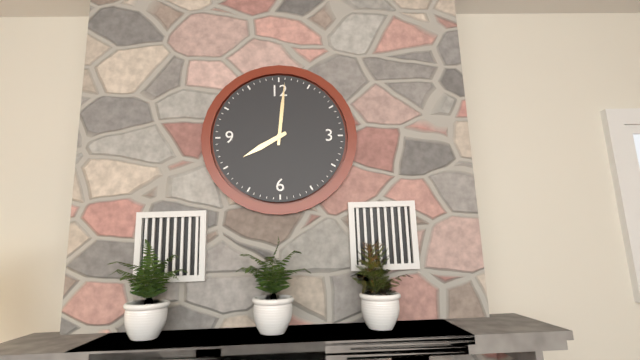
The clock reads h=8 m=1
